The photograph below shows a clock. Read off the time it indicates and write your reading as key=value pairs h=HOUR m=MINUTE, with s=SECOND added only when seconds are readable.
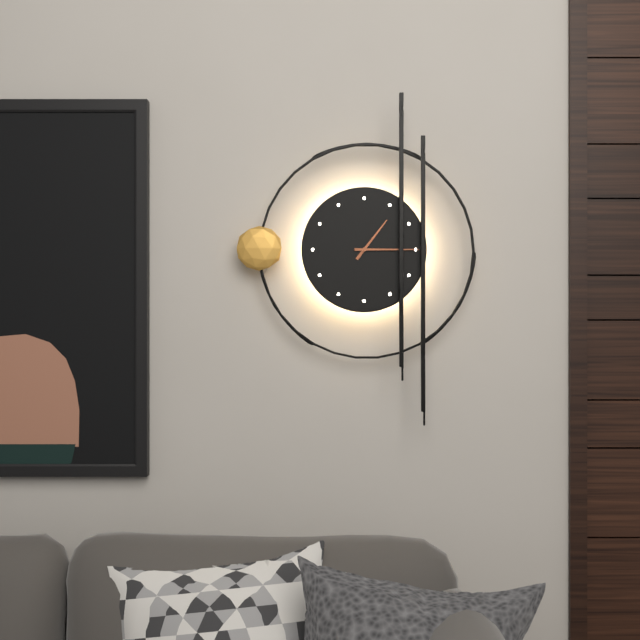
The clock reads h=1 m=15
